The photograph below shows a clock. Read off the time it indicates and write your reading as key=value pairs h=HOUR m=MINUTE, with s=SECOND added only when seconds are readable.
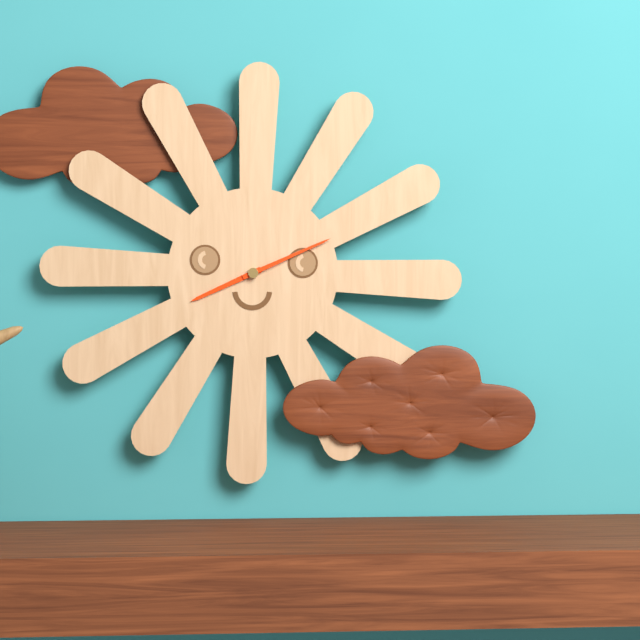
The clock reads h=8 m=11
